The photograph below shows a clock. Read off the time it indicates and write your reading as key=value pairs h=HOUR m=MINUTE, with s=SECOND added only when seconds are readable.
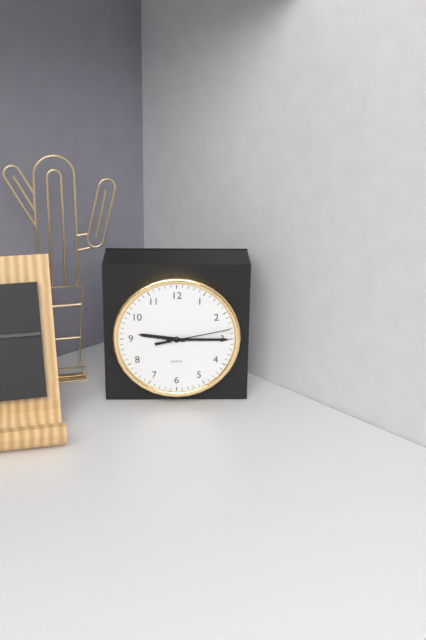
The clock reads h=9 m=15 s=13
